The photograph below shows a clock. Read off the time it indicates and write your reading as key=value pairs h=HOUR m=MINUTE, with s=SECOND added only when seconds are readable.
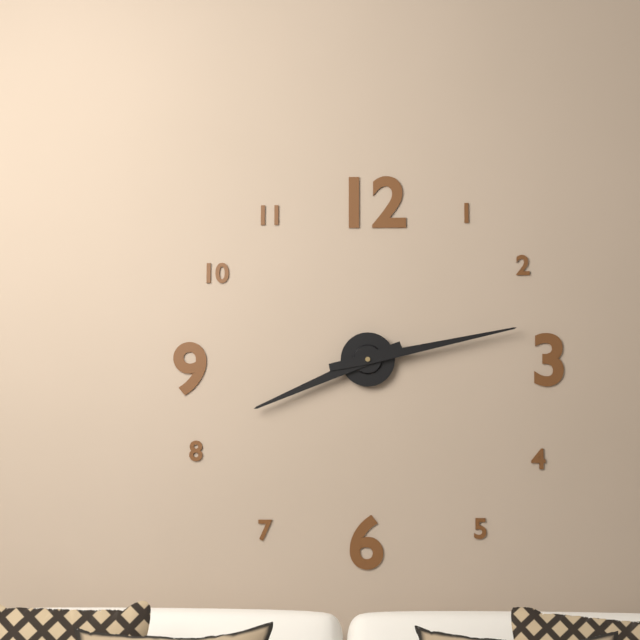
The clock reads h=8 m=13
